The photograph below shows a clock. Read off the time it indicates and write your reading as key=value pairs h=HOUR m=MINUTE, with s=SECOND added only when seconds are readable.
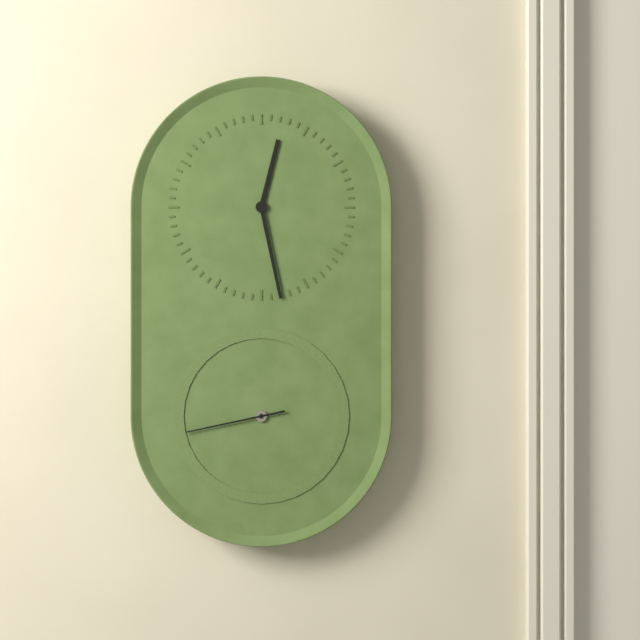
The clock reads h=12 m=28 s=43
